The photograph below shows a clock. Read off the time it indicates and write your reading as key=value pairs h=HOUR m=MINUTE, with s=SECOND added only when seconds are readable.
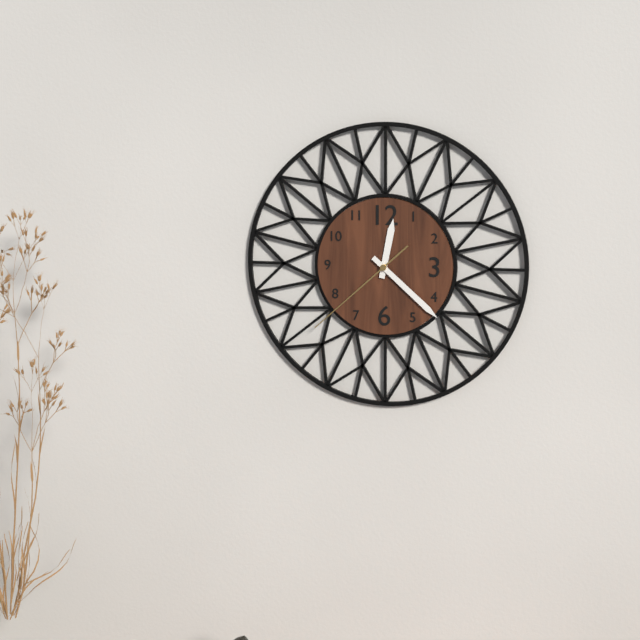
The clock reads h=12 m=22 s=38
